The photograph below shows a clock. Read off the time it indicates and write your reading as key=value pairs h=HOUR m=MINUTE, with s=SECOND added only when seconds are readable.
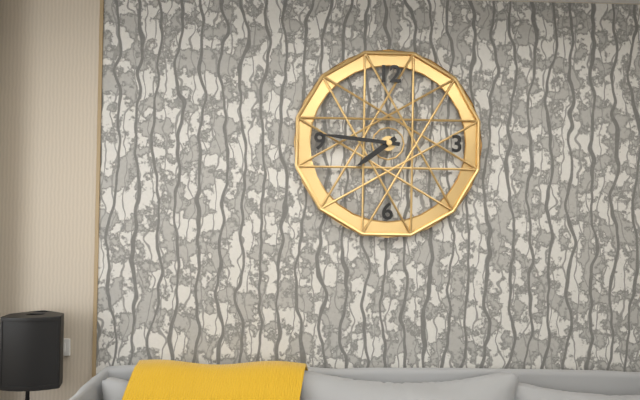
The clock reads h=7 m=46
